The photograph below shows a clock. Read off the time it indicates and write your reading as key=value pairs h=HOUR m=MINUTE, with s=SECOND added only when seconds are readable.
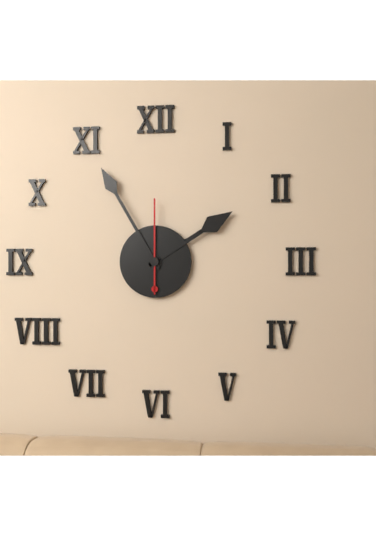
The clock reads h=1 m=55 s=0
